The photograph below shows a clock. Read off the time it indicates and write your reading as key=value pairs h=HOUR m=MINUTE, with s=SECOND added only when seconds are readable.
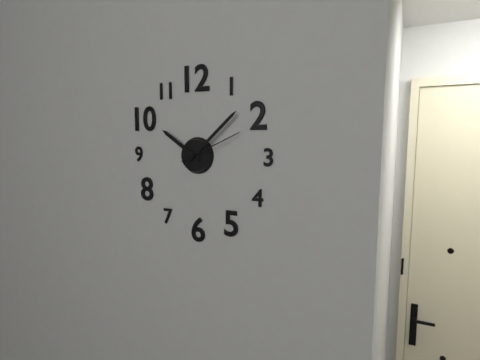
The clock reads h=10 m=8 s=11
